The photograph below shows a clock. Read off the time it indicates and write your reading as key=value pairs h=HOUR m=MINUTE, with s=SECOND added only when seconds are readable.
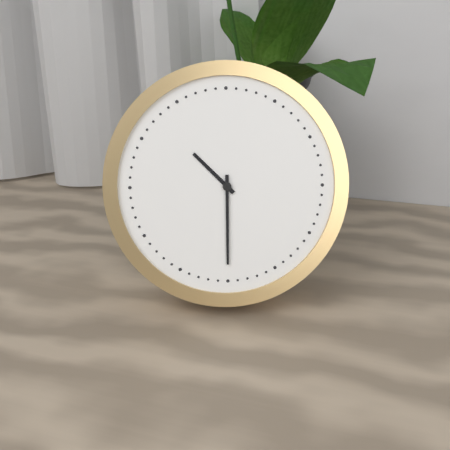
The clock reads h=10 m=30
